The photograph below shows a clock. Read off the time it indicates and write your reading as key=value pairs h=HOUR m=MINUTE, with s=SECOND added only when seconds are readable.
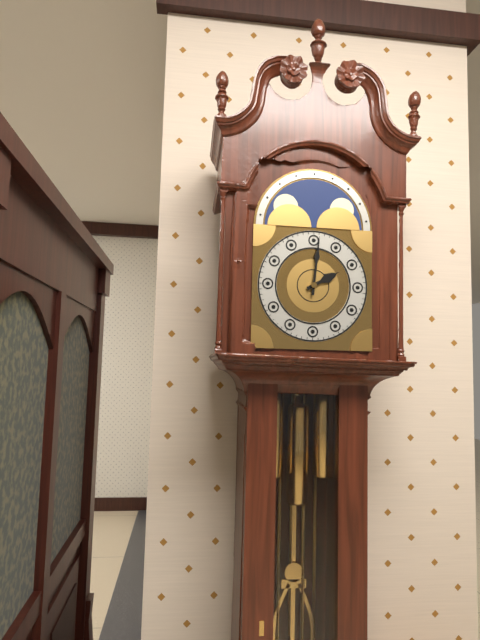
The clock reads h=2 m=1
